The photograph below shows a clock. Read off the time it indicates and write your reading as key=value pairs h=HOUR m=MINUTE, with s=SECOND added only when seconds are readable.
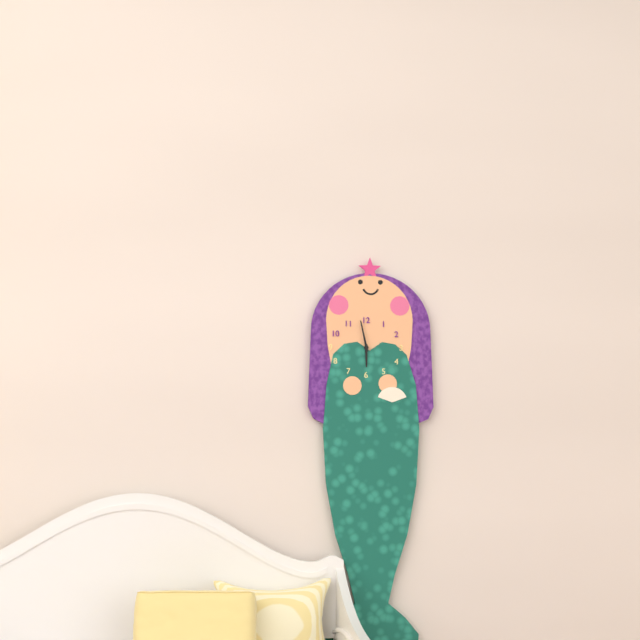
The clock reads h=5 m=58
